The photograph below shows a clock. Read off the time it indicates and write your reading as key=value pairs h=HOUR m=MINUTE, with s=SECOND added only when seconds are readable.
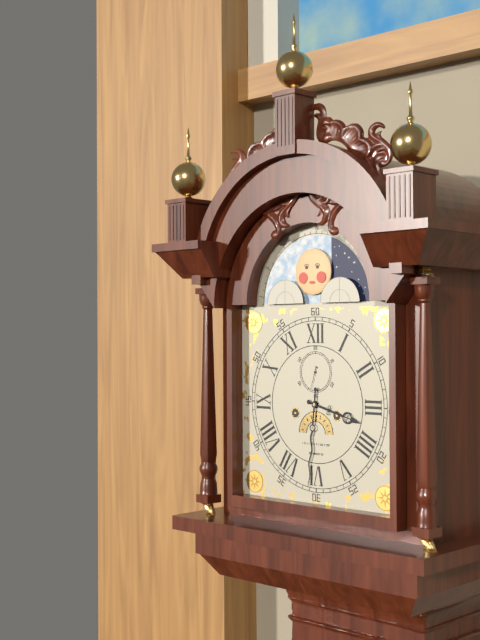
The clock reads h=3 m=31
